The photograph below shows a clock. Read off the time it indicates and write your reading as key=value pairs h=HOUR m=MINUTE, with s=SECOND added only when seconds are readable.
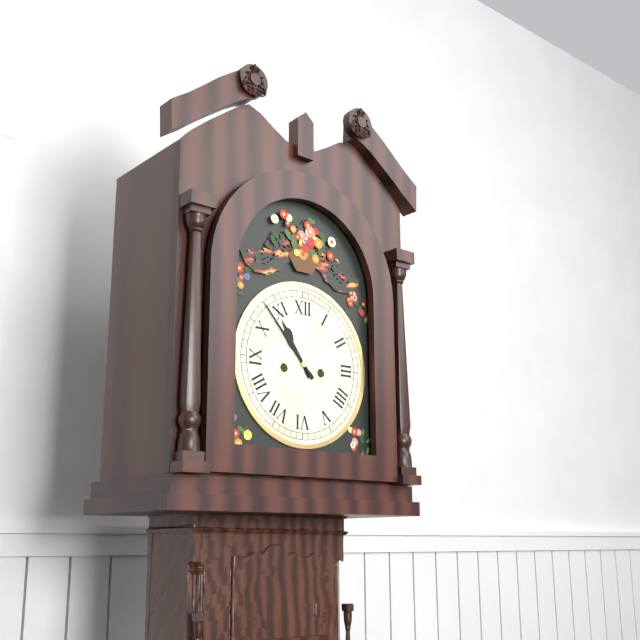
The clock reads h=10 m=53
